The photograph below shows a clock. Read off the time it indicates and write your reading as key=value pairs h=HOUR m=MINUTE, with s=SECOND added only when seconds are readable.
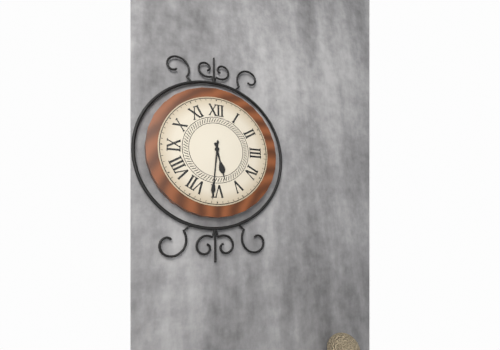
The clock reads h=5 m=31
